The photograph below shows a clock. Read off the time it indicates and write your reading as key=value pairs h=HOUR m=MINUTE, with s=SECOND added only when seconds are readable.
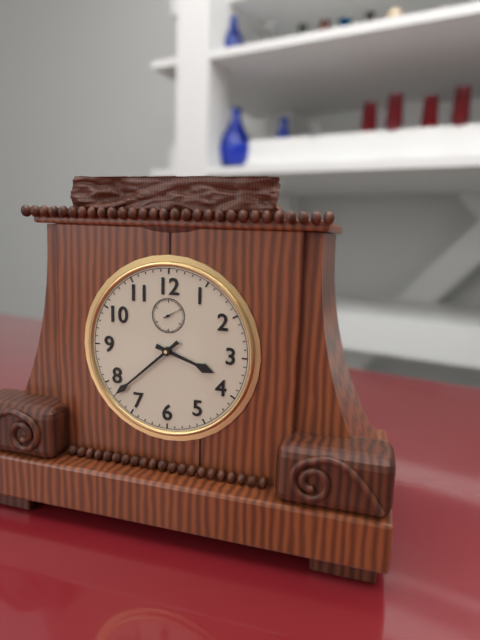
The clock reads h=3 m=38
